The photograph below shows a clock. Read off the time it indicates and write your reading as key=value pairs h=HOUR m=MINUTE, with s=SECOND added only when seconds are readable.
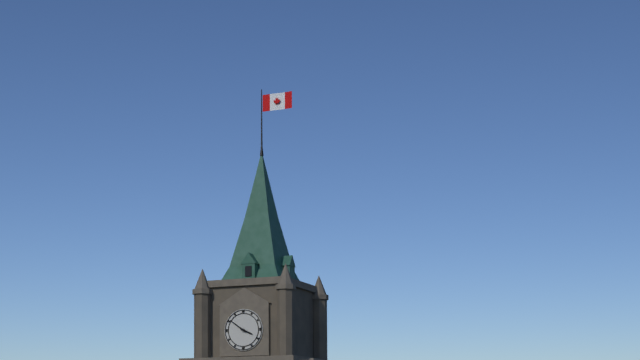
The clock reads h=3 m=51
